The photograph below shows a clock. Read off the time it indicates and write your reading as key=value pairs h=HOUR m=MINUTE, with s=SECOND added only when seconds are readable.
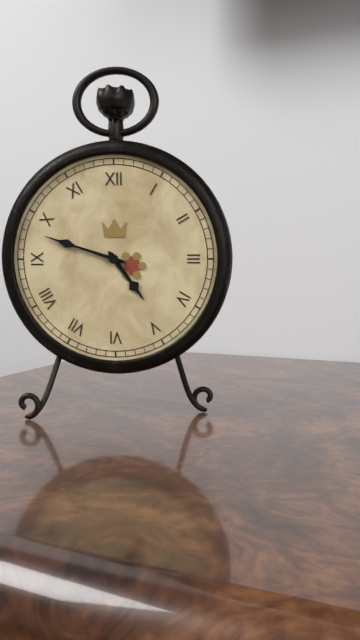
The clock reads h=4 m=48
